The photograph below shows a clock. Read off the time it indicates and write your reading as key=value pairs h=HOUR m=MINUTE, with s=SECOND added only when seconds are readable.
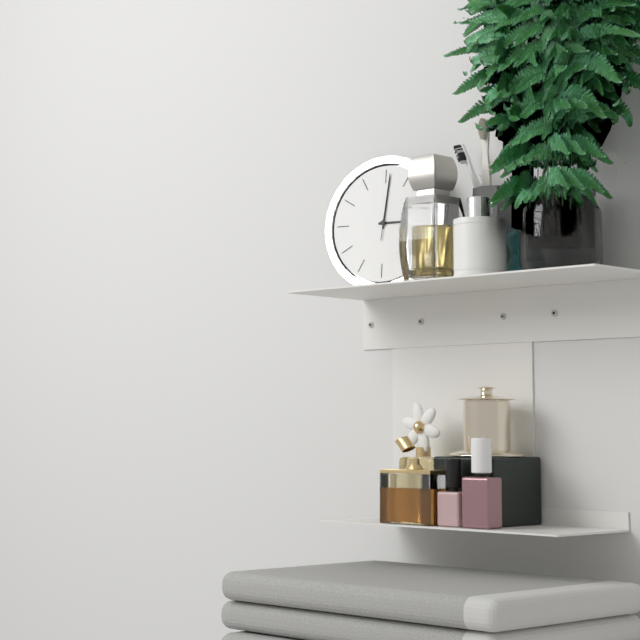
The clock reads h=3 m=1 s=1
